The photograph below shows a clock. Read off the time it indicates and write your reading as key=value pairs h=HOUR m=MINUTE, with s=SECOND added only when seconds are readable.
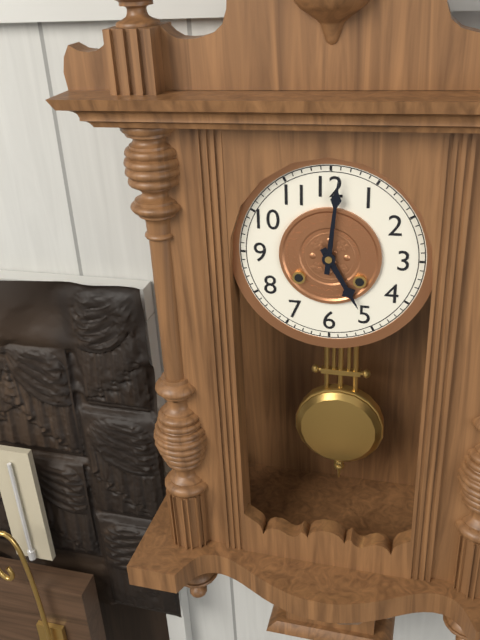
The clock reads h=5 m=1
